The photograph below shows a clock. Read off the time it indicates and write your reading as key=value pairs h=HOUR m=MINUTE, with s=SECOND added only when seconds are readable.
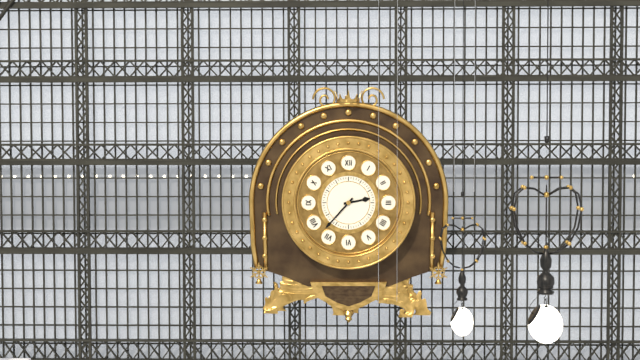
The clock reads h=2 m=37
